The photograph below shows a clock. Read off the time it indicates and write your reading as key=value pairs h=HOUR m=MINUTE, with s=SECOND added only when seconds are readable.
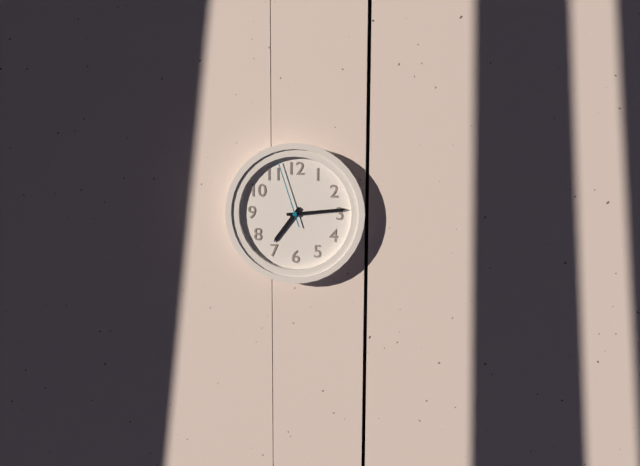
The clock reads h=7 m=14 s=57
